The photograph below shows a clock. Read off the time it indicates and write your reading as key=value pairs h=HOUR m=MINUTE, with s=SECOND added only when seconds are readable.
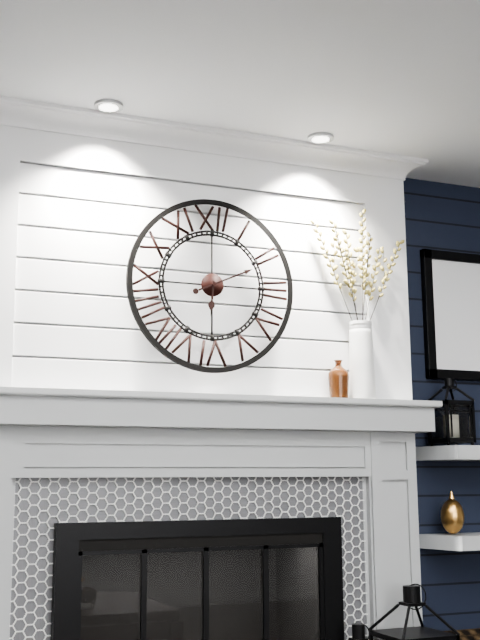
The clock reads h=6 m=11
